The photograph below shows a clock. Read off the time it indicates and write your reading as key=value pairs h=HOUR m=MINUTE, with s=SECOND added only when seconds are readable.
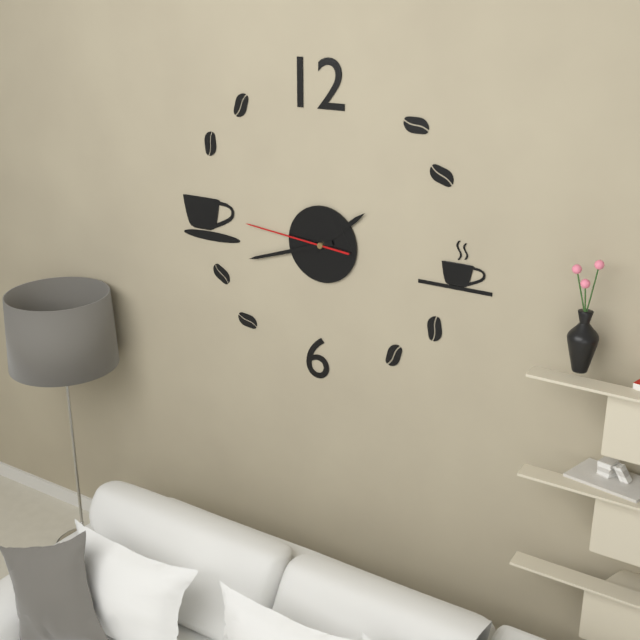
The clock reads h=1 m=42 s=46
